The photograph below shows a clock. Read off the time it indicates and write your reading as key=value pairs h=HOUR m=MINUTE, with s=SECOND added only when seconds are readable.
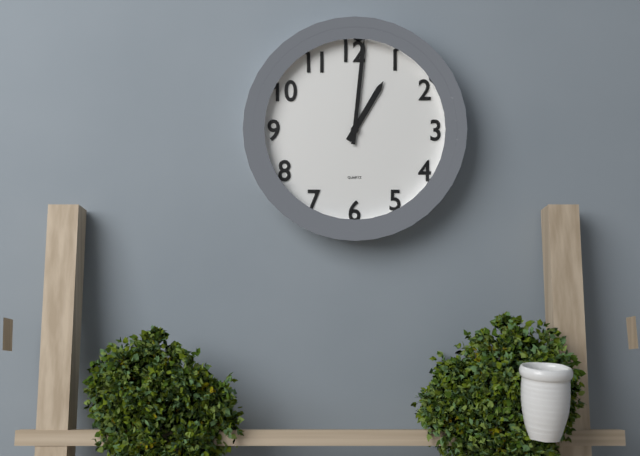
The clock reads h=1 m=1
